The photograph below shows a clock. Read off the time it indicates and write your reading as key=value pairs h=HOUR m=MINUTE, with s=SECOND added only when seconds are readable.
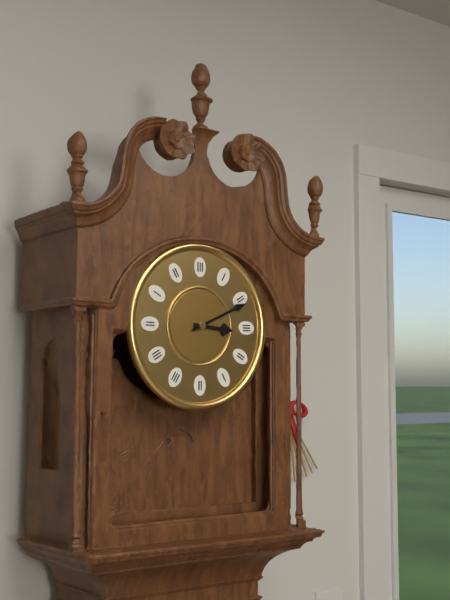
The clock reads h=3 m=11
